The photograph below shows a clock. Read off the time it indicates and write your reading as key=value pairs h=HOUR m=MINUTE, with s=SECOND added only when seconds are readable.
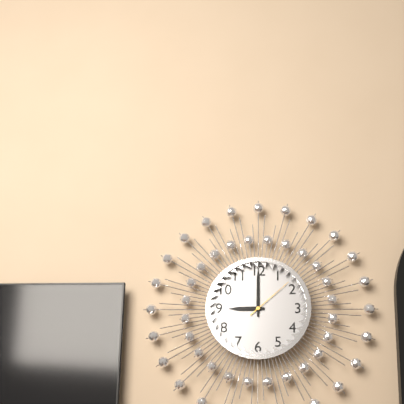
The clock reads h=9 m=0 s=8
